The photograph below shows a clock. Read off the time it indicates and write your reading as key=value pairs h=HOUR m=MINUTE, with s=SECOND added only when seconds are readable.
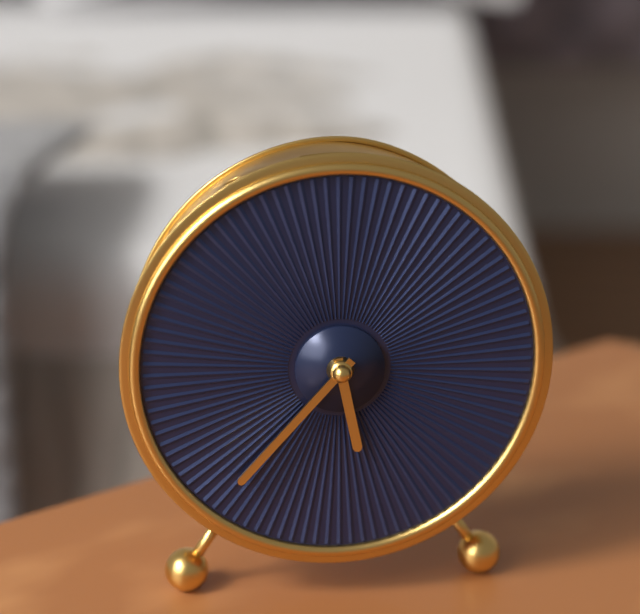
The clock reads h=5 m=37
